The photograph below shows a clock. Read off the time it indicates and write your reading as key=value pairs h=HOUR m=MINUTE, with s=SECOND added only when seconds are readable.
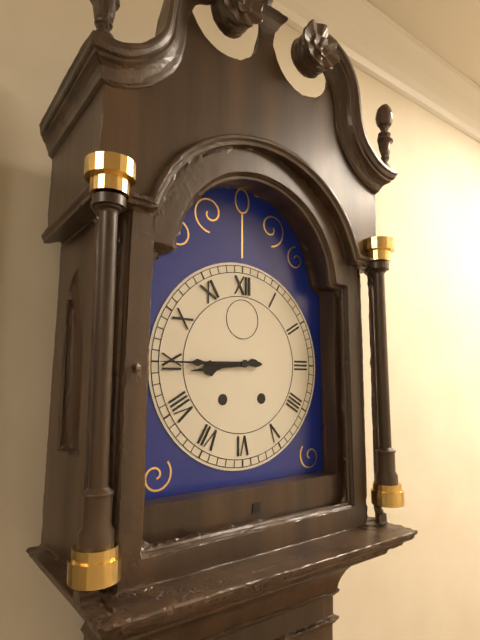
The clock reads h=8 m=45
